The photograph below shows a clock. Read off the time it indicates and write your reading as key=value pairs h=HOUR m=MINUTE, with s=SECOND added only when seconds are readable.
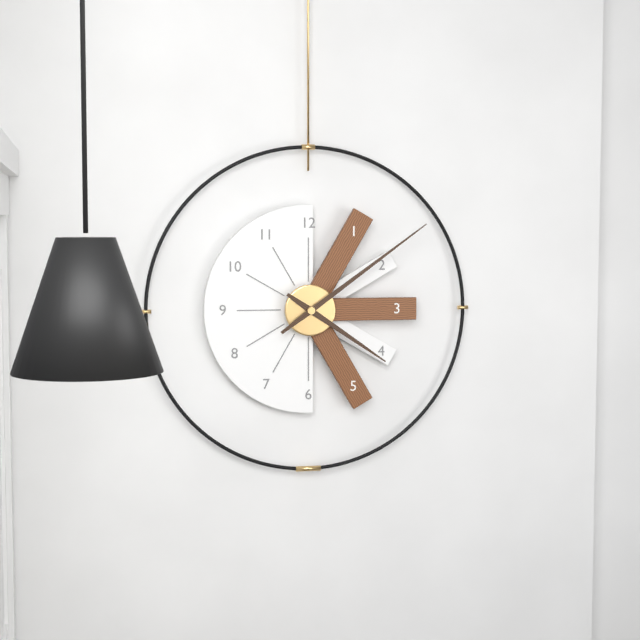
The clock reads h=4 m=9
